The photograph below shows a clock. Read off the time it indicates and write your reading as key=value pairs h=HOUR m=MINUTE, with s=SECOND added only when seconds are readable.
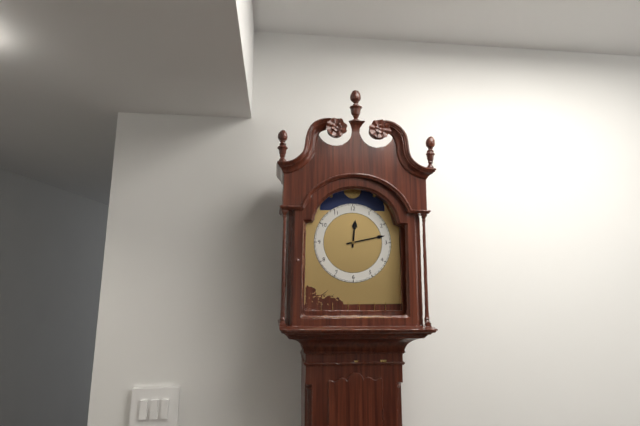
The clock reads h=12 m=13
